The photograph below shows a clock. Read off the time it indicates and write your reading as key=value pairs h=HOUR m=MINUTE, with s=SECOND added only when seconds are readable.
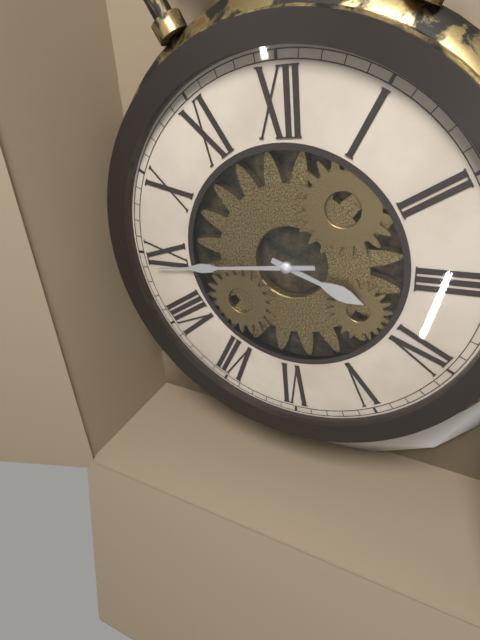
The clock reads h=3 m=44
